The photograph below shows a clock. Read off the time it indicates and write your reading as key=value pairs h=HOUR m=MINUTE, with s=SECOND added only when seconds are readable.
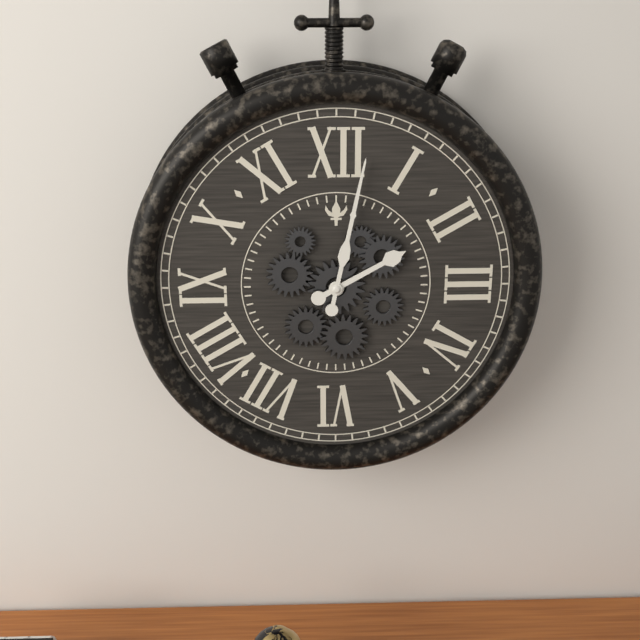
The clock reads h=2 m=2
